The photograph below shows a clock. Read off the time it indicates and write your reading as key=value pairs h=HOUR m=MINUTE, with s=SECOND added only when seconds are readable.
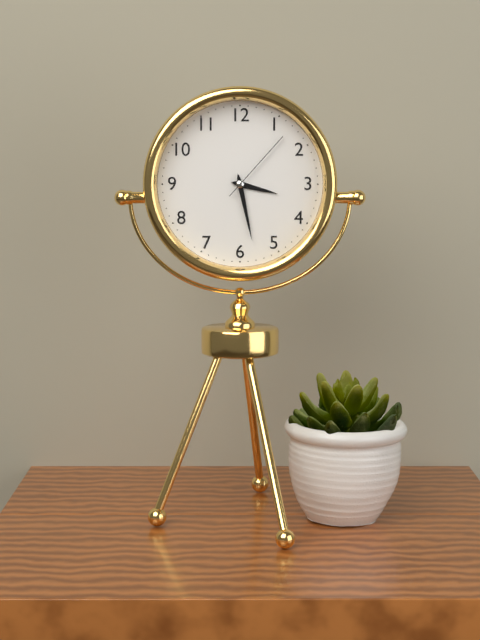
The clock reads h=3 m=28 s=7
